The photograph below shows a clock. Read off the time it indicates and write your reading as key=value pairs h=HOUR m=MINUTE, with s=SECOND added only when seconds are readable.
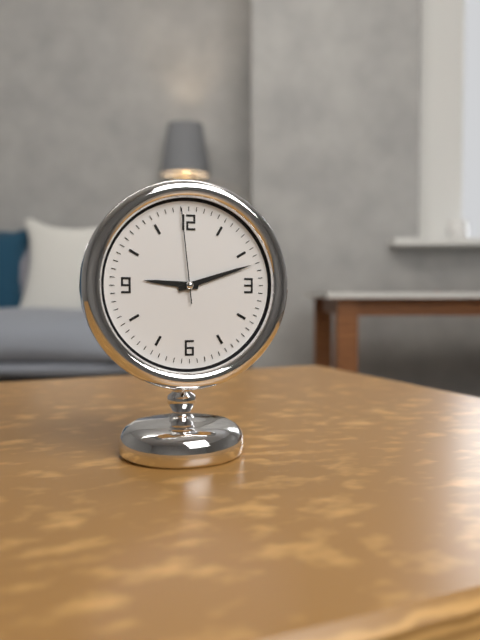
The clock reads h=9 m=12 s=59
